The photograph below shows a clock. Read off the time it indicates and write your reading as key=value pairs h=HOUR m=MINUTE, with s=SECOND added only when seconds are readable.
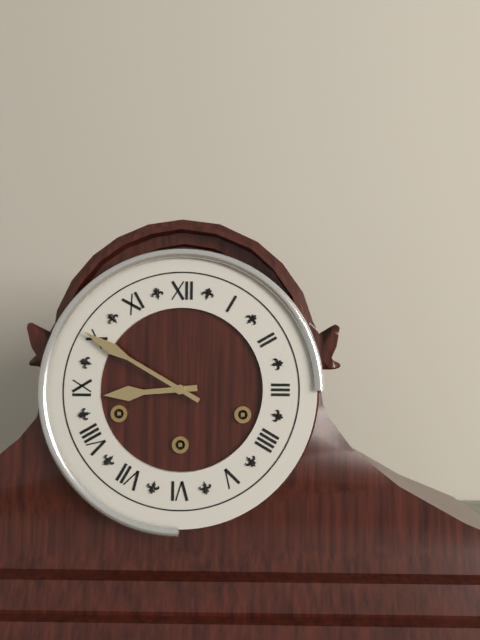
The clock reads h=8 m=50
